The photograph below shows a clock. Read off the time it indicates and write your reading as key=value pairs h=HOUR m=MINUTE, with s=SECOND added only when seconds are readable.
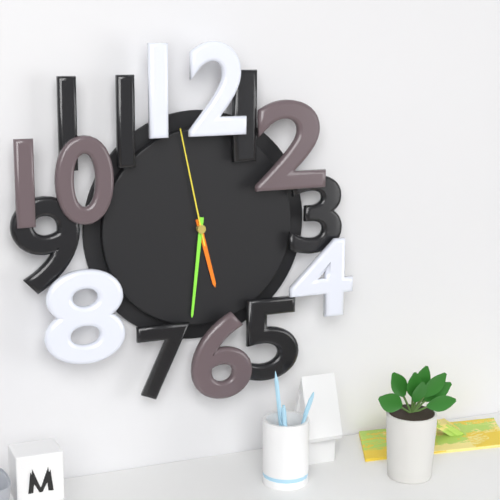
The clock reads h=5 m=31 s=58
